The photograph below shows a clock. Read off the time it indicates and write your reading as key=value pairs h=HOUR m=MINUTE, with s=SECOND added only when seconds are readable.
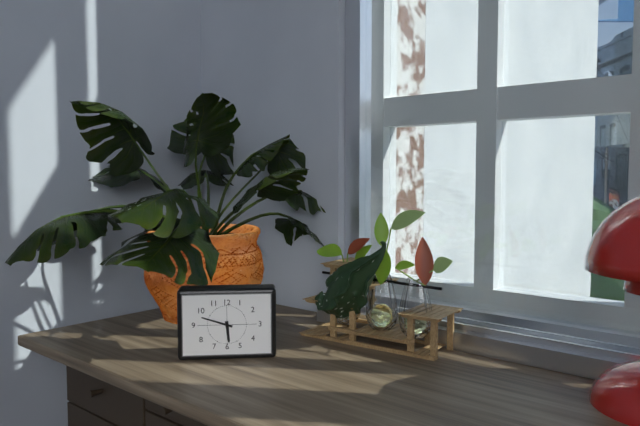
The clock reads h=5 m=48
